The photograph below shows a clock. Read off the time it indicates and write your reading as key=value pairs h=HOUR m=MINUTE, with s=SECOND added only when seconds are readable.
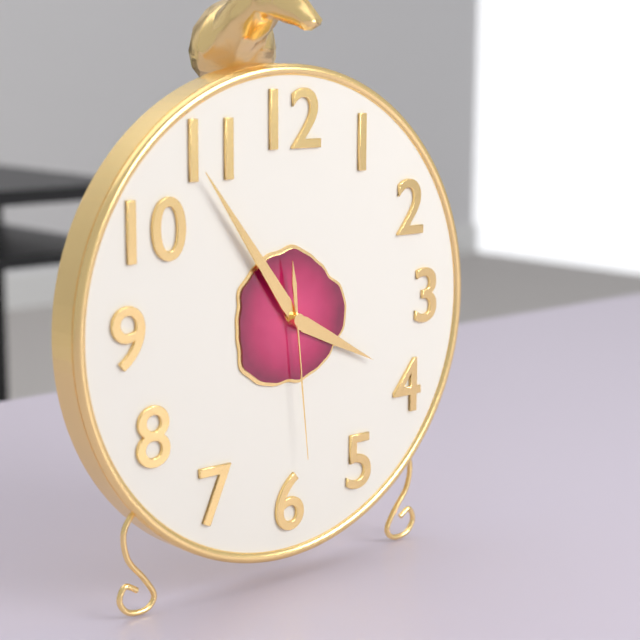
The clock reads h=3 m=54 s=29
